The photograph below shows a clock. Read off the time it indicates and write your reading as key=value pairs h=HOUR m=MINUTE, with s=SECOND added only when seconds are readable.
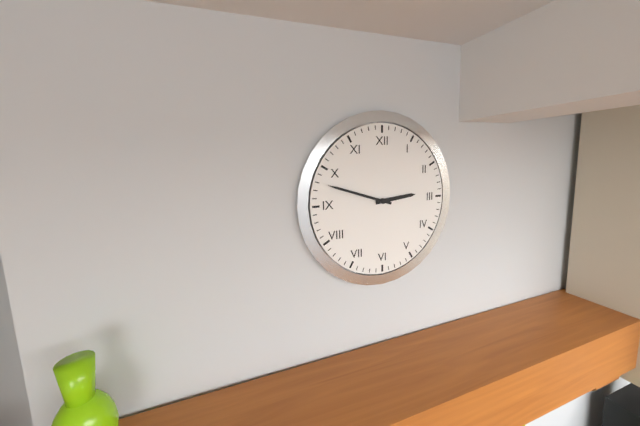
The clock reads h=2 m=48
